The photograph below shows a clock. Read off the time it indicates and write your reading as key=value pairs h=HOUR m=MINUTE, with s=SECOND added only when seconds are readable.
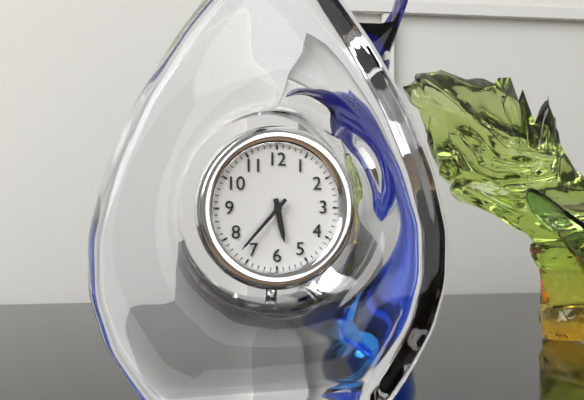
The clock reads h=5 m=37
